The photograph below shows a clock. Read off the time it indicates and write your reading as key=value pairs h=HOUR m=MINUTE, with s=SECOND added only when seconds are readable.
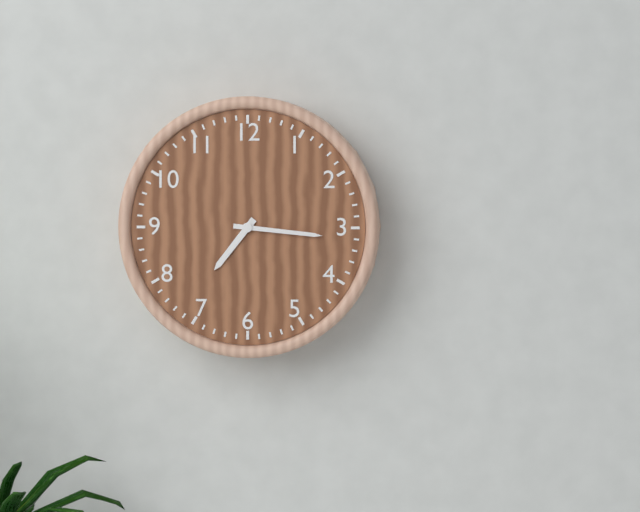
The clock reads h=7 m=16
